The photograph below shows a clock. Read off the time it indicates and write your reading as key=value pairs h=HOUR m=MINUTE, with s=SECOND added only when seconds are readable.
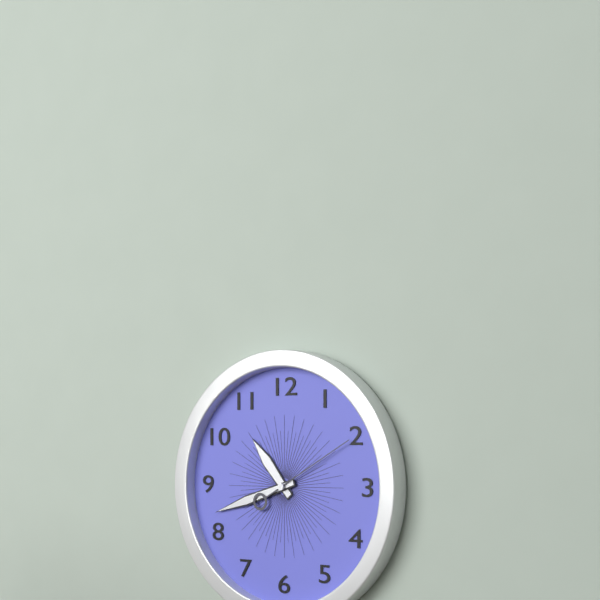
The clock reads h=10 m=42 s=10
